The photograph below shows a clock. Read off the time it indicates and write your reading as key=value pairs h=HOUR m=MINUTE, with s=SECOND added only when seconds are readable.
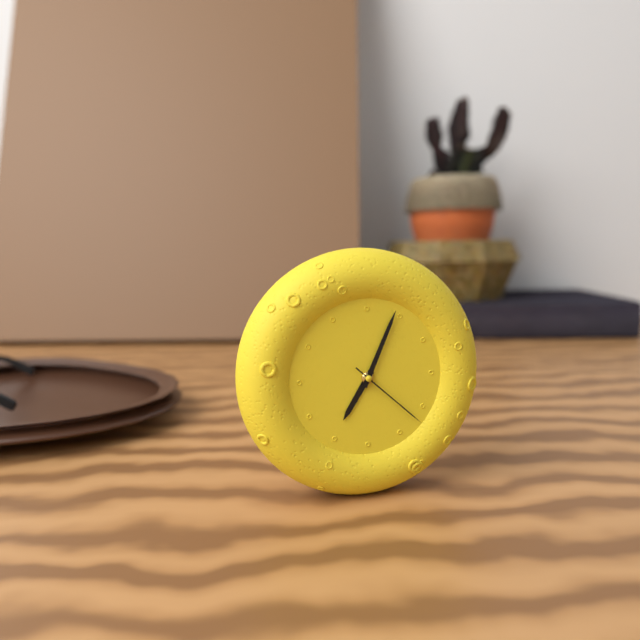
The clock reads h=7 m=4 s=22
